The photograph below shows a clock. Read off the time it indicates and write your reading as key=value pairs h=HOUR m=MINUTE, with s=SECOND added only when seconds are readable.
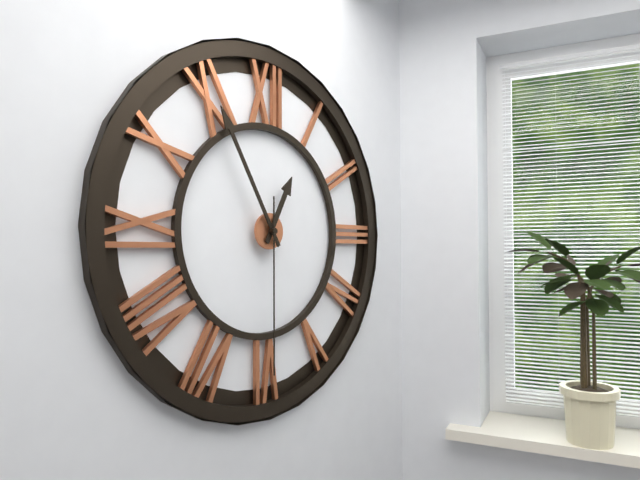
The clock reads h=12 m=55 s=30
